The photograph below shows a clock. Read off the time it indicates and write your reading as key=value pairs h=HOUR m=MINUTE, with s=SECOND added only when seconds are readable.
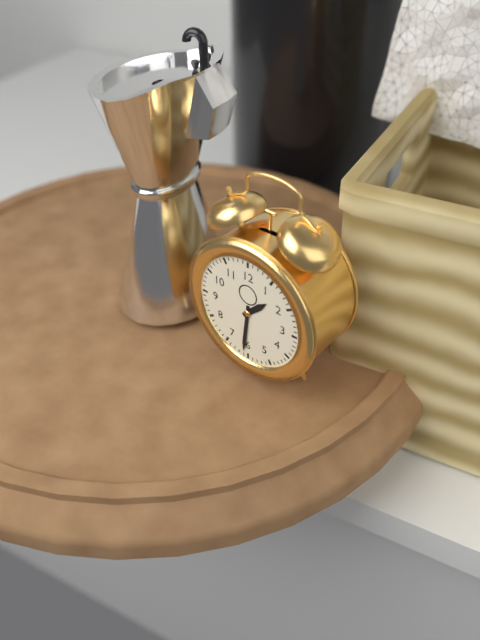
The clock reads h=1 m=31
